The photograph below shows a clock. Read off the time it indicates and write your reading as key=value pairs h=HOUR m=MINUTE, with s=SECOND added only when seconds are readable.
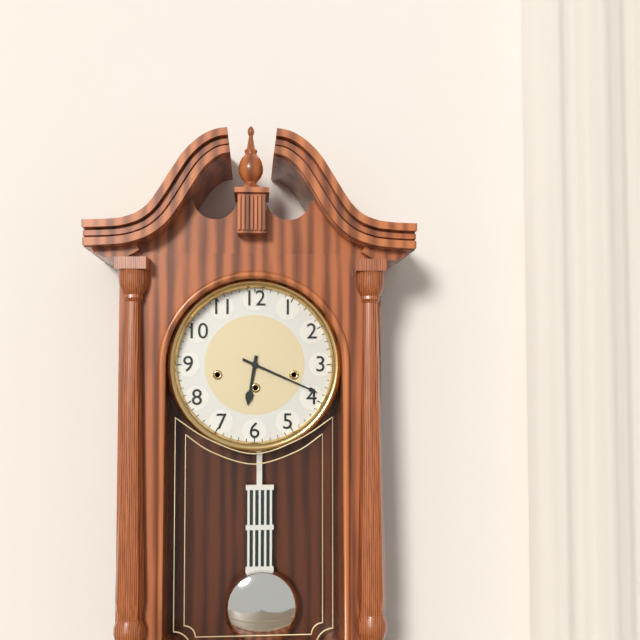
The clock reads h=6 m=19
